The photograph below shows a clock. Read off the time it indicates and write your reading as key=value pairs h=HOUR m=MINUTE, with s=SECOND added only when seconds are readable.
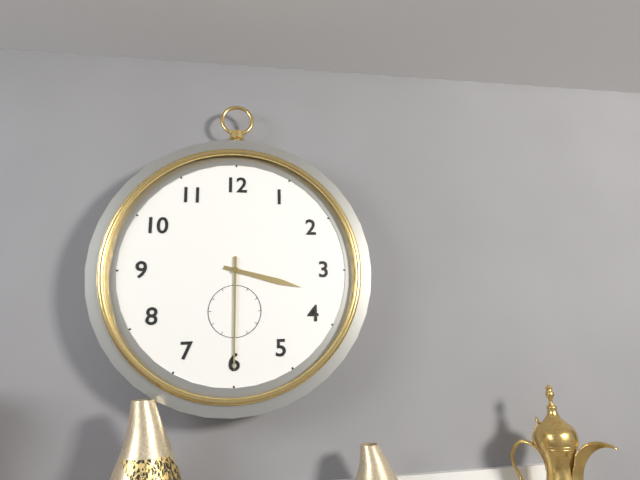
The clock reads h=3 m=30
